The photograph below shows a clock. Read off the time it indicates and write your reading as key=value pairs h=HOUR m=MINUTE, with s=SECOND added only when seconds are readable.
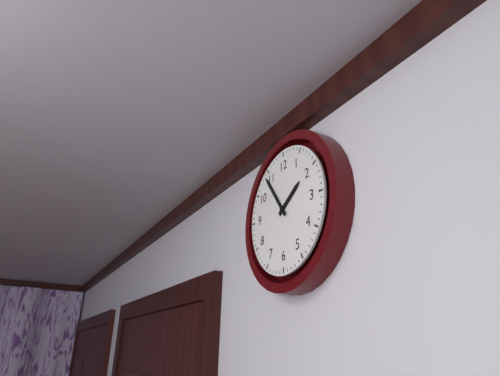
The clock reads h=1 m=54
